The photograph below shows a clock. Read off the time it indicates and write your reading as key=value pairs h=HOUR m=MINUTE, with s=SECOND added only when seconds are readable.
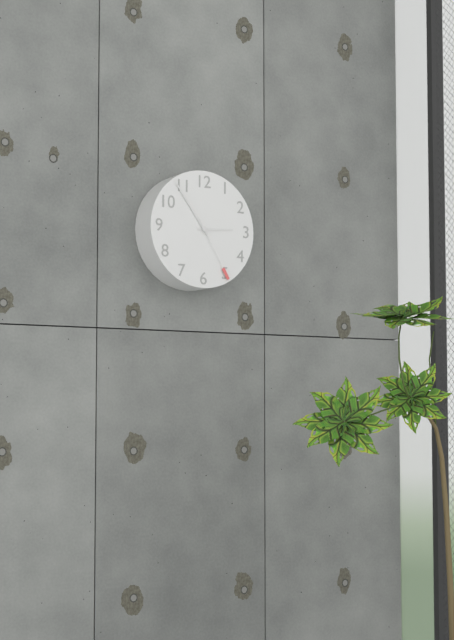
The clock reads h=2 m=54 s=25
